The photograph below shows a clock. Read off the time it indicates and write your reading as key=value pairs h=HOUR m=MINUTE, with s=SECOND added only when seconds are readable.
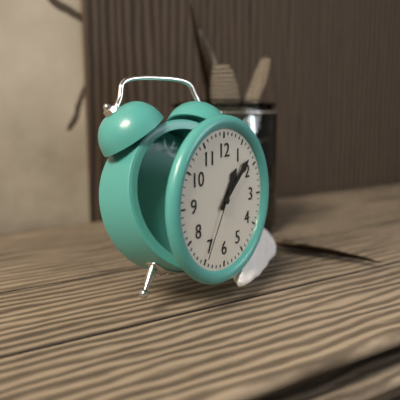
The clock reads h=1 m=8 s=35
